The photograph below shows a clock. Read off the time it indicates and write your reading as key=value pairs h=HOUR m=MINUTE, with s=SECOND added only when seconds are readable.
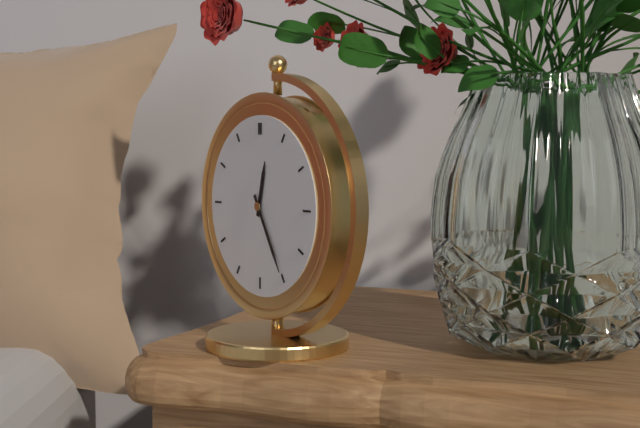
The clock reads h=12 m=25
